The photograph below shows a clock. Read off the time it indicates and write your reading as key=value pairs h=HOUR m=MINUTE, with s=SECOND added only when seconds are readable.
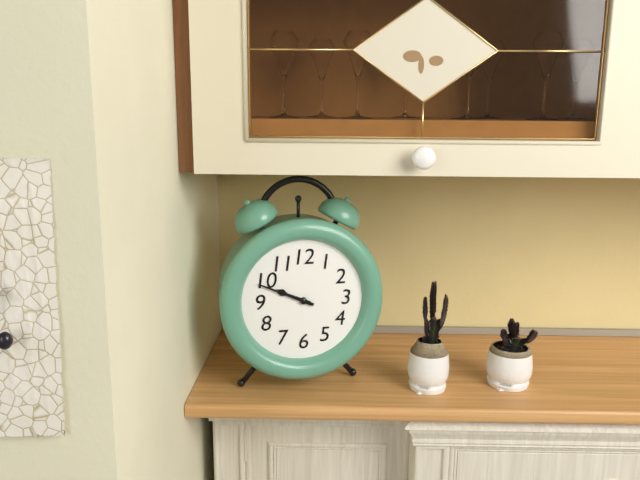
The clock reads h=9 m=49
